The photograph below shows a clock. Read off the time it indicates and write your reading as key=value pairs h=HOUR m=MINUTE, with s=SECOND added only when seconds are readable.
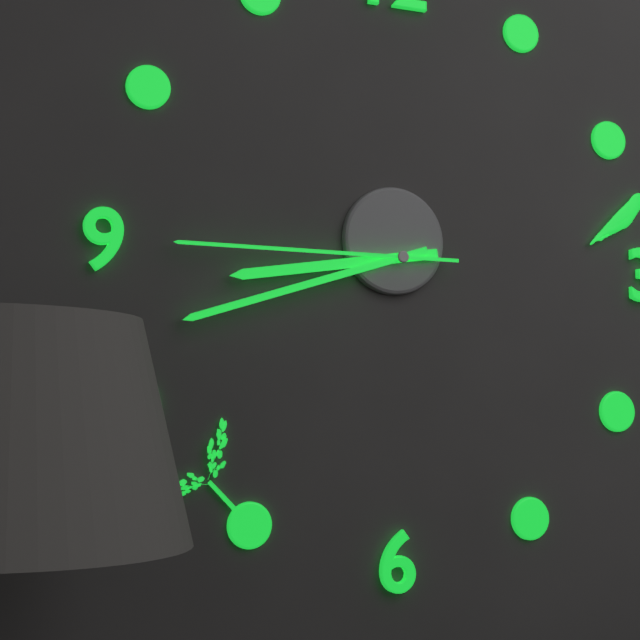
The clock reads h=8 m=42 s=45
